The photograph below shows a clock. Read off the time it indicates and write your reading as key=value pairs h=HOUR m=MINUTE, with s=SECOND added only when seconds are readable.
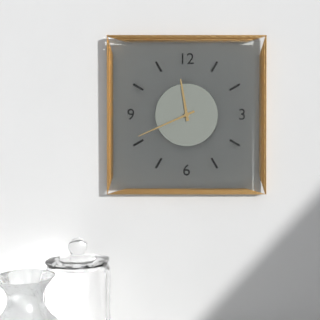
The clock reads h=11 m=41
